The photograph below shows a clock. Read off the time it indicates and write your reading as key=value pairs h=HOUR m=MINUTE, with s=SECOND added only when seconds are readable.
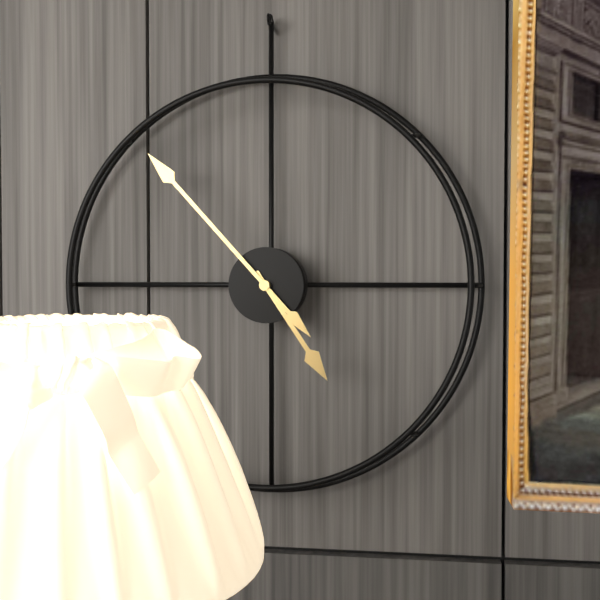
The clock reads h=4 m=53
